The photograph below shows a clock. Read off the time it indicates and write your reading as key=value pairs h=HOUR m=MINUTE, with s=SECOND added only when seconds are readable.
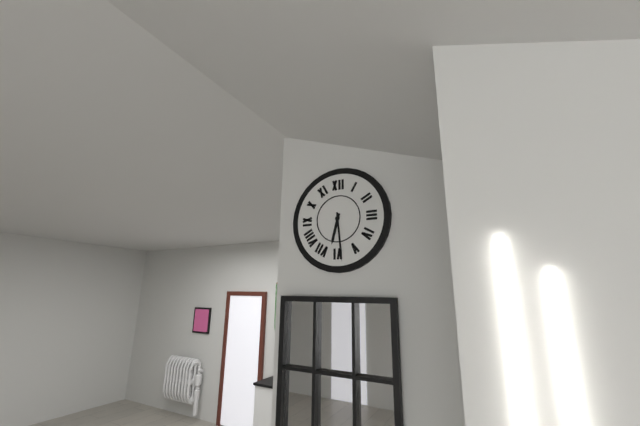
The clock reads h=6 m=29
